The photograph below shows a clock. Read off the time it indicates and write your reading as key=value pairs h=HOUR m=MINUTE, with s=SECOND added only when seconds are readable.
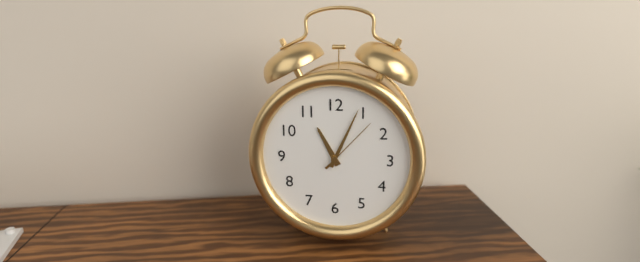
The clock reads h=11 m=4 s=7
